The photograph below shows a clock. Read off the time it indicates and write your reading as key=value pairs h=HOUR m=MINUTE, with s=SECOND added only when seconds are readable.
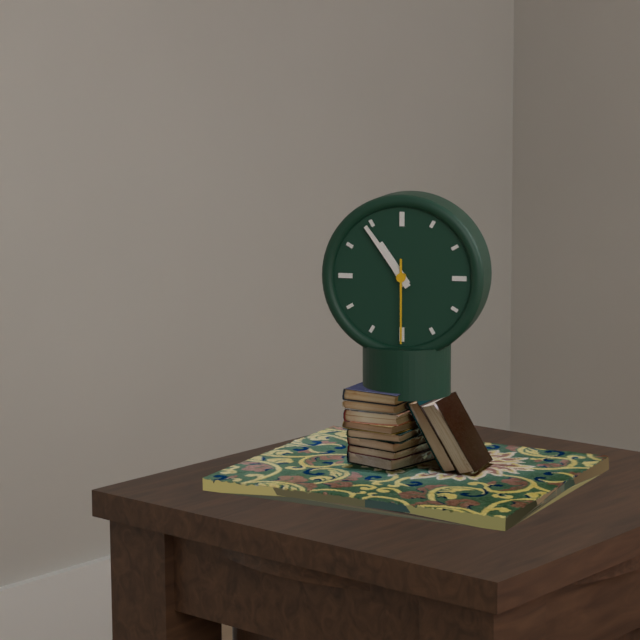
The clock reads h=10 m=54 s=30
